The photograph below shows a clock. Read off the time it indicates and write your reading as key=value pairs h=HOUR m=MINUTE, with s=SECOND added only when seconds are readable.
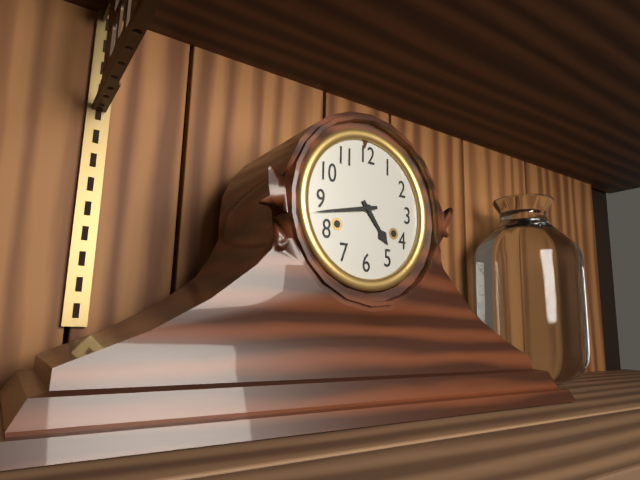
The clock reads h=4 m=43
